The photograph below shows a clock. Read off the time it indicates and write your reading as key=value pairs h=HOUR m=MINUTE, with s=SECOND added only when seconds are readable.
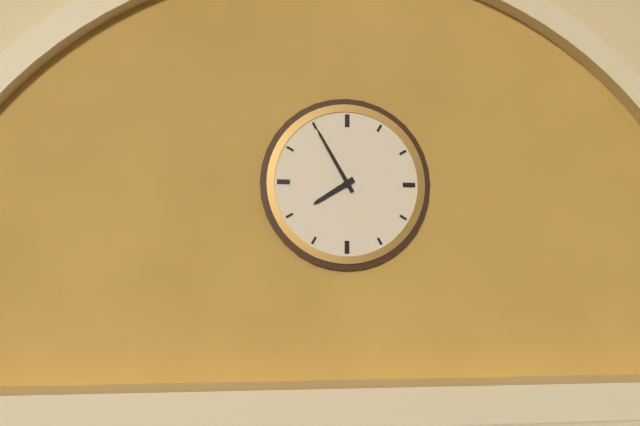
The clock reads h=7 m=55
